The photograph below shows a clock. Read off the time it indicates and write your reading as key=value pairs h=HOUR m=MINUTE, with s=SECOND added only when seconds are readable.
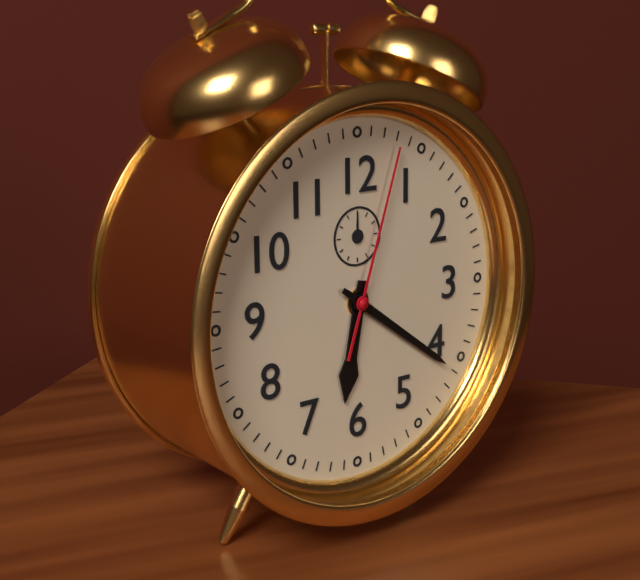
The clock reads h=6 m=21 s=3
